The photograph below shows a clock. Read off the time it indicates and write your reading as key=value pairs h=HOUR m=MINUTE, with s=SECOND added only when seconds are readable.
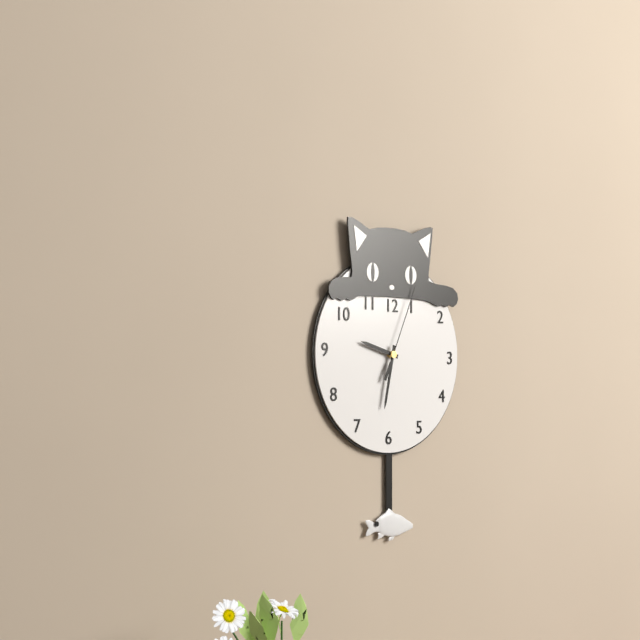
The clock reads h=9 m=32 s=4
